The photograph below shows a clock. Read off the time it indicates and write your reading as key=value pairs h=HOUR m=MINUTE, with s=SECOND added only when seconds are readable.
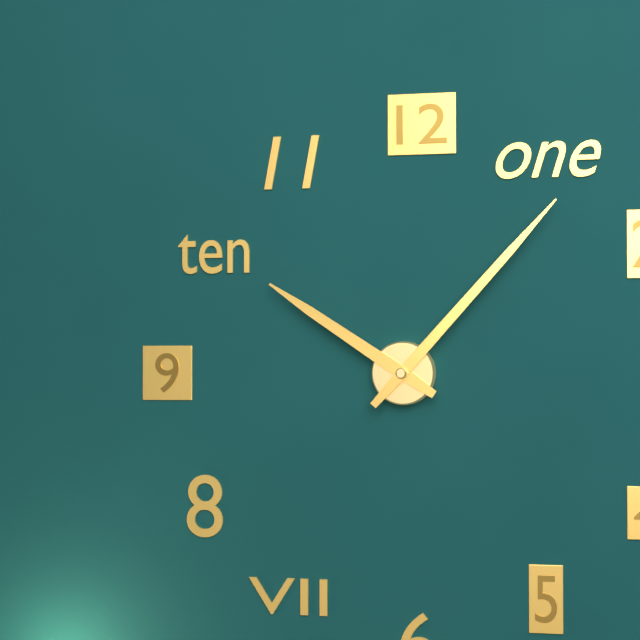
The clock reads h=10 m=7
